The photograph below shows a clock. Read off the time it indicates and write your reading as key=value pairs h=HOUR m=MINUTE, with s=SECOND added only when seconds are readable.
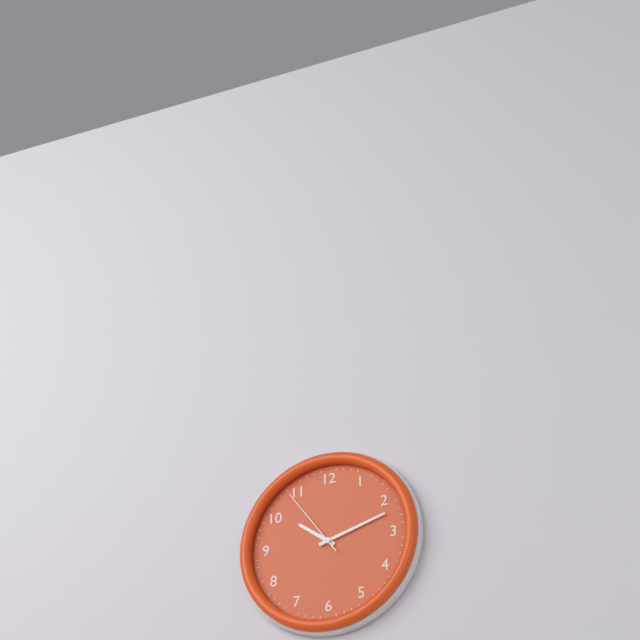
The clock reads h=10 m=12 s=54
